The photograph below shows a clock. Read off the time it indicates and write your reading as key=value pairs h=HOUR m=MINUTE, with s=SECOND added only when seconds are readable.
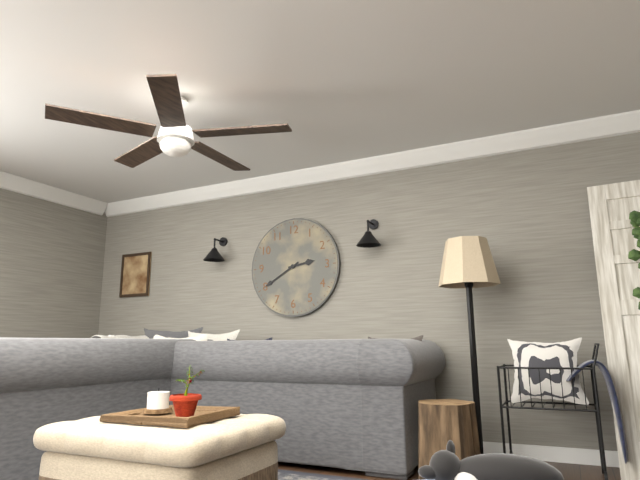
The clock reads h=2 m=40
